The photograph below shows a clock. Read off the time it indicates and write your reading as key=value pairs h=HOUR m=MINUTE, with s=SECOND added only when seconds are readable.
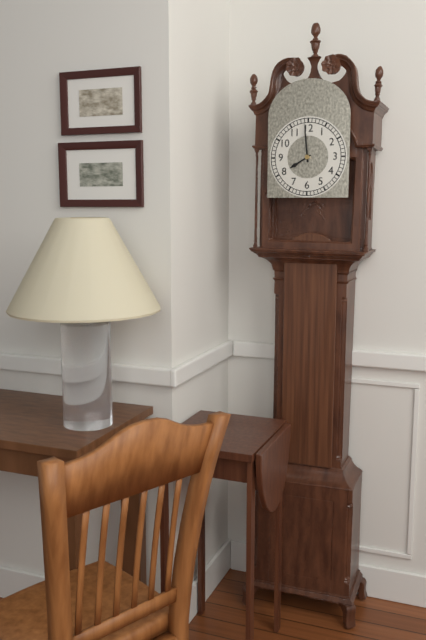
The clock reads h=7 m=59
